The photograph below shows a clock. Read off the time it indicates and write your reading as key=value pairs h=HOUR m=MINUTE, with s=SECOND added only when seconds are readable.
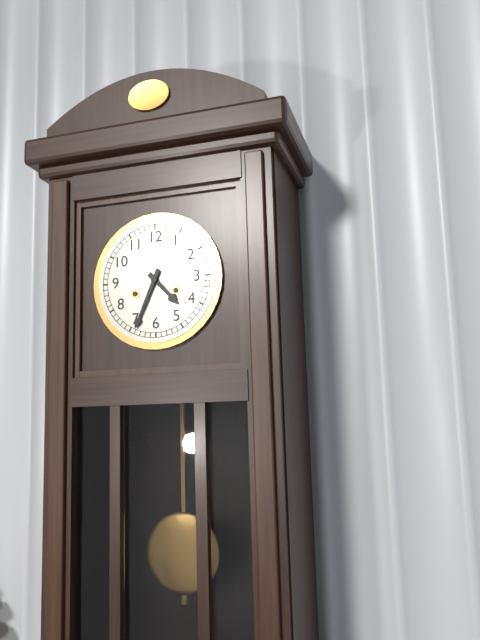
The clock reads h=4 m=34
